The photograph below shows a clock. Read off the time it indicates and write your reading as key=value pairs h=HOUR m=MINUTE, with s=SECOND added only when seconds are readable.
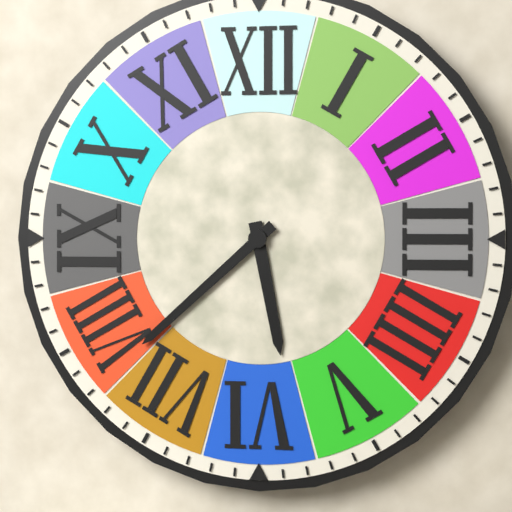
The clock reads h=5 m=38
